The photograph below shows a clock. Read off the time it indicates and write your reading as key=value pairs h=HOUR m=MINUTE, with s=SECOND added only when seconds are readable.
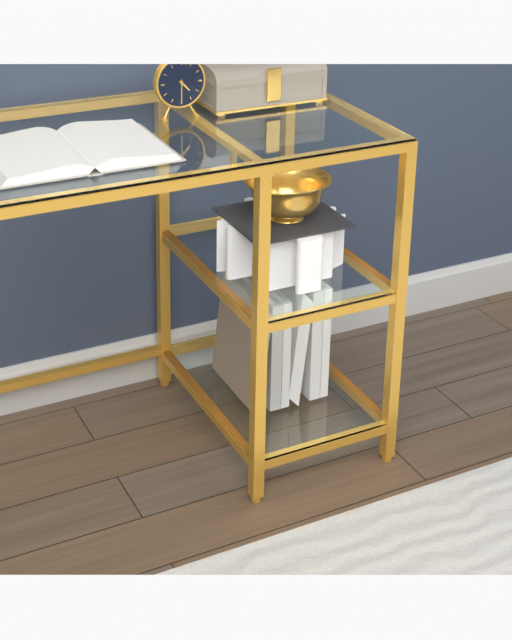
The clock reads h=4 m=30
